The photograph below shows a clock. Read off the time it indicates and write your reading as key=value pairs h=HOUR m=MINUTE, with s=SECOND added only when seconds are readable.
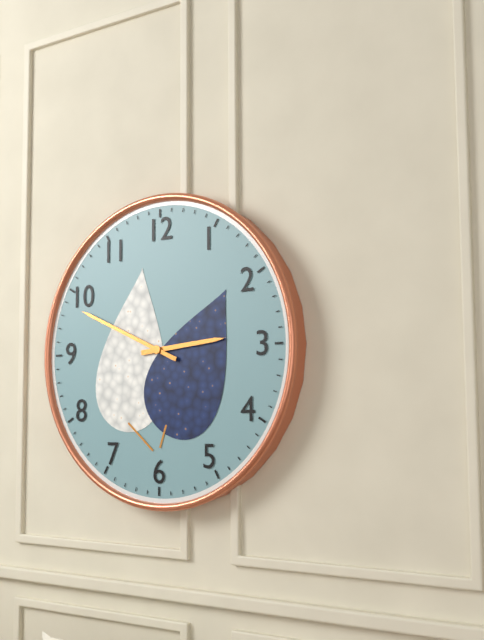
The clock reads h=2 m=49
